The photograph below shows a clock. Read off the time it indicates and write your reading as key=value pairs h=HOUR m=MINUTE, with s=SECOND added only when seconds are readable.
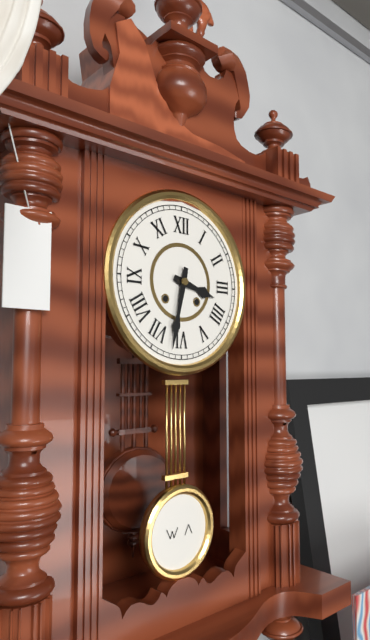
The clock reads h=3 m=32
